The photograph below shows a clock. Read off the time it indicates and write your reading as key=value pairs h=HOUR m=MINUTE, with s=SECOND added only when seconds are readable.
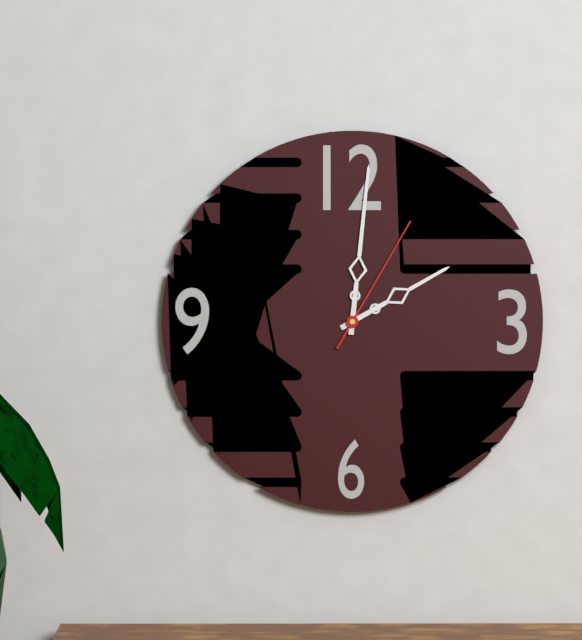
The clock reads h=2 m=1 s=5
